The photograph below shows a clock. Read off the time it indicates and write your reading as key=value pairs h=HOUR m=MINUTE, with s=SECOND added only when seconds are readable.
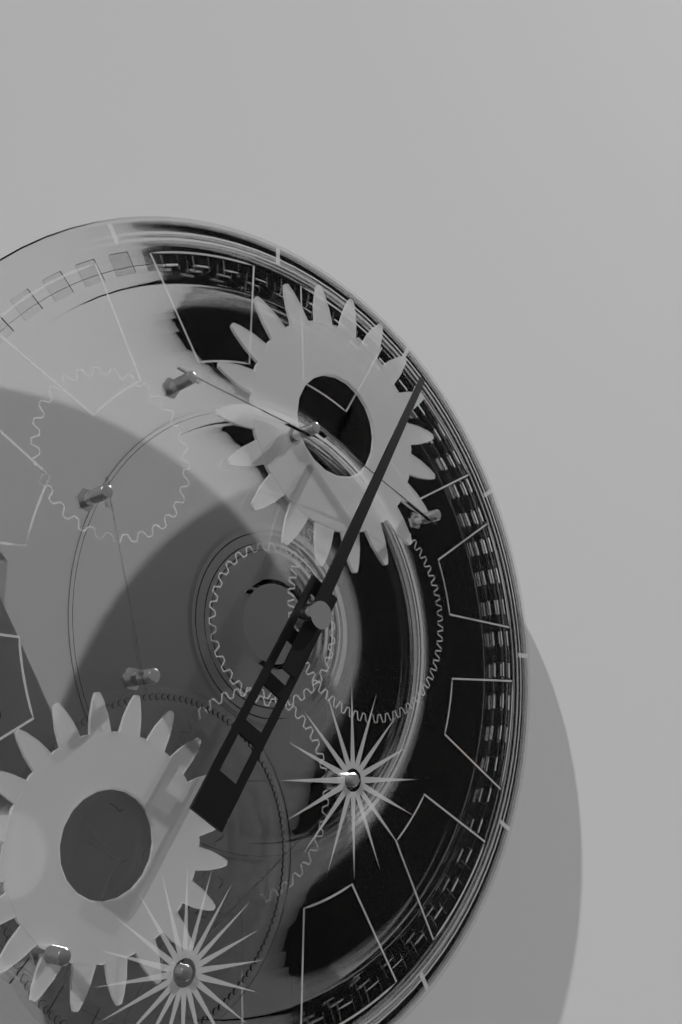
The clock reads h=7 m=5
